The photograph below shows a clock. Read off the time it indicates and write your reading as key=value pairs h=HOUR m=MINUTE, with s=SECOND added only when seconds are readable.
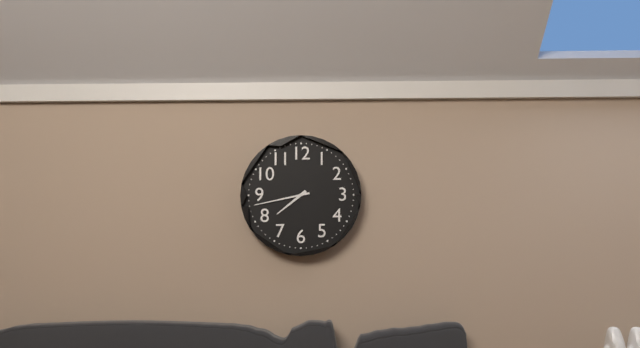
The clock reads h=7 m=43
